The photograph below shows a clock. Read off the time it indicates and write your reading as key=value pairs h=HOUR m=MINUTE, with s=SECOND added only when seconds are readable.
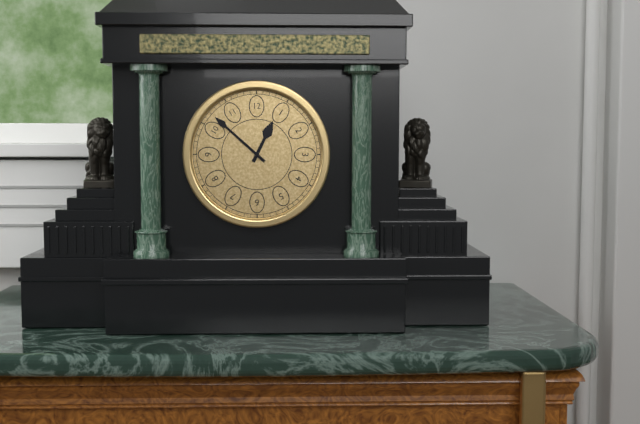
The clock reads h=12 m=52
